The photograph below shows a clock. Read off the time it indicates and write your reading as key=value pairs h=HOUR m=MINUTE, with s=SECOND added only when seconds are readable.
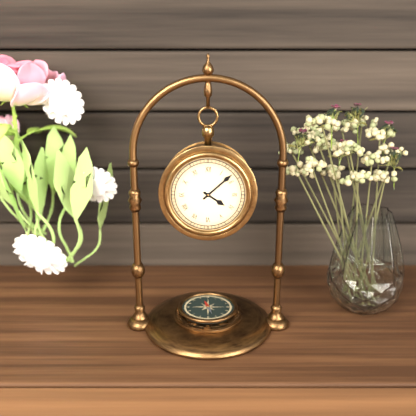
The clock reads h=4 m=8
